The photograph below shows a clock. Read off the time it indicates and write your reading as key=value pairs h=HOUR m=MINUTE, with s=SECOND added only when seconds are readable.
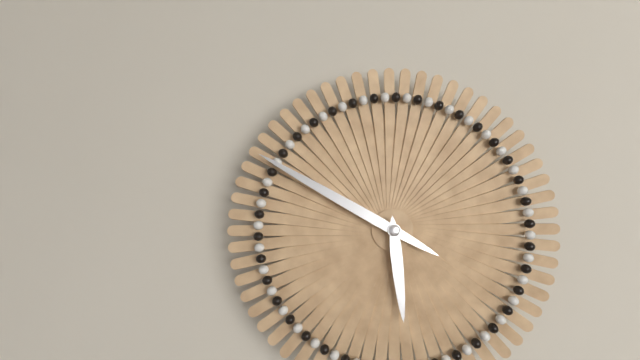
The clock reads h=5 m=50
